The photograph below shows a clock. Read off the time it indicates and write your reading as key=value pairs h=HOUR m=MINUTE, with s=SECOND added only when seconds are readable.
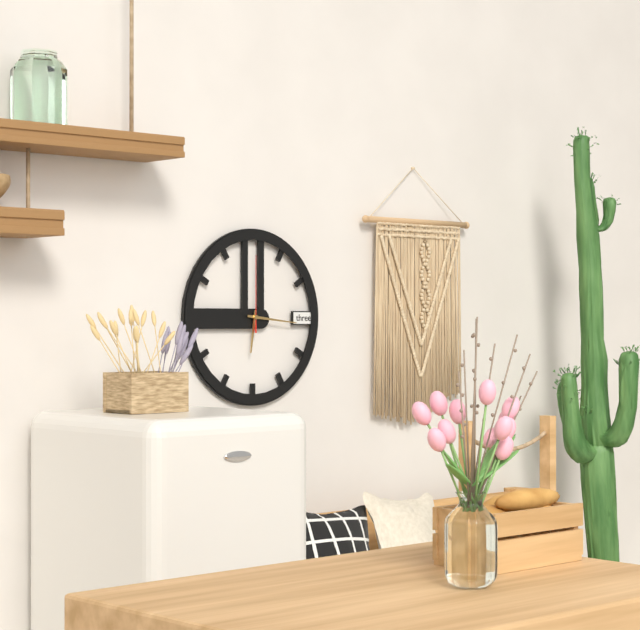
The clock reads h=6 m=16 s=0
